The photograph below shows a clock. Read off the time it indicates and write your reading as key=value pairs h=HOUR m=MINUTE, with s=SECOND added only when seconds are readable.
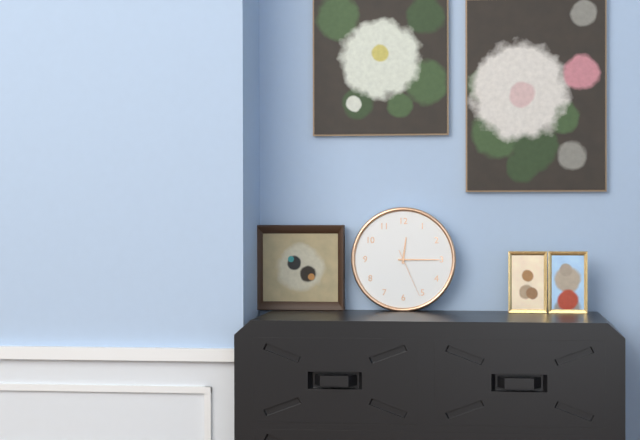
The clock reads h=12 m=15
